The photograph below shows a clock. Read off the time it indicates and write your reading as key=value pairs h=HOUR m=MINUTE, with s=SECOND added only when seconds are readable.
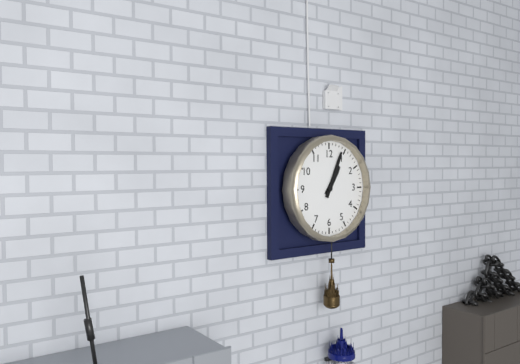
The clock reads h=1 m=4
